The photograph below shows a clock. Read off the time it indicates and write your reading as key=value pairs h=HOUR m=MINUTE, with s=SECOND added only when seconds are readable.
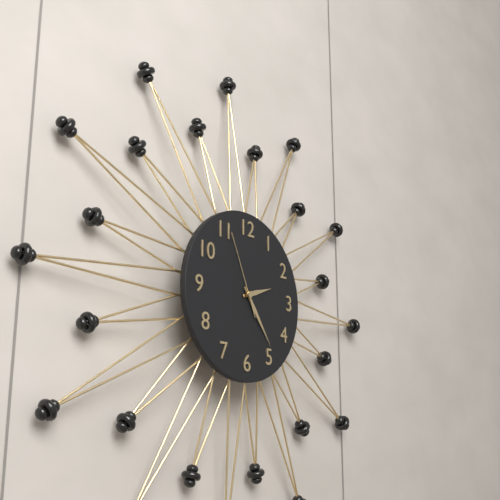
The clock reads h=2 m=24 s=56
